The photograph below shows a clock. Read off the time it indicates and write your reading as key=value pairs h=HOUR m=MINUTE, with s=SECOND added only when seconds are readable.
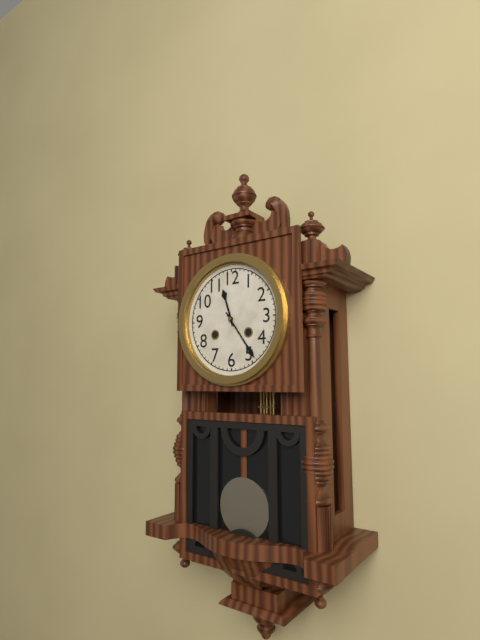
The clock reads h=11 m=24
